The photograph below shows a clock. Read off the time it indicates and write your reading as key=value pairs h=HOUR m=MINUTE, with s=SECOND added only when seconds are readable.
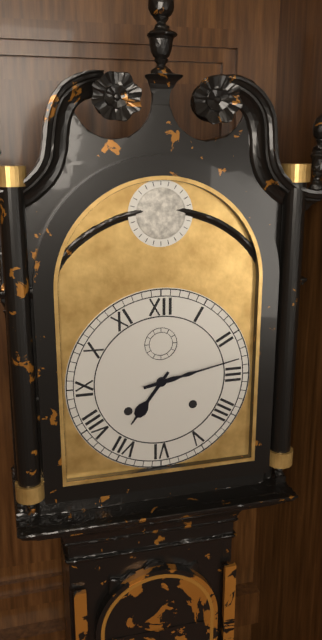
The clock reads h=7 m=13
